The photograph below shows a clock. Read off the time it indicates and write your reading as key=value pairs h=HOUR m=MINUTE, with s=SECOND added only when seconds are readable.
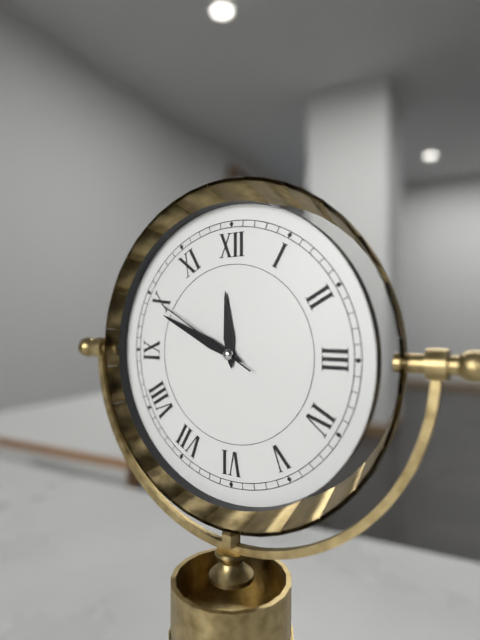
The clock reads h=11 m=49 s=50
